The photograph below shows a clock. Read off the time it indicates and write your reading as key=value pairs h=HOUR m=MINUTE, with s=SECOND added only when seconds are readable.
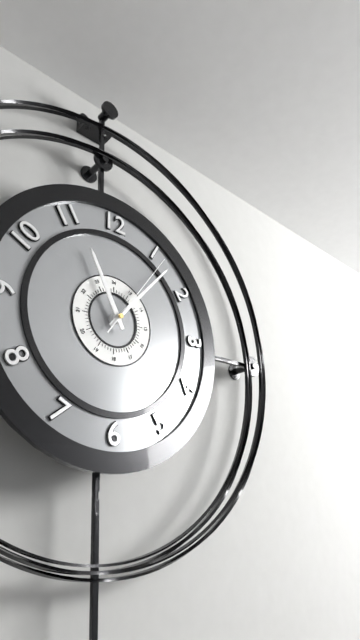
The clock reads h=11 m=7 s=6
